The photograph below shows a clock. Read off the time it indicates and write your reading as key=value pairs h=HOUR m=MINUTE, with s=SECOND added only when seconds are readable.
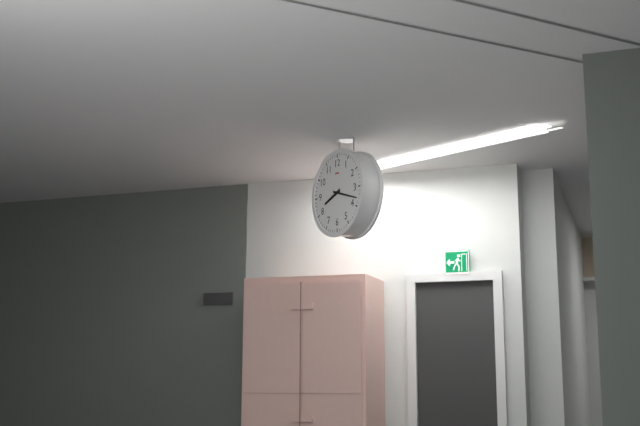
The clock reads h=8 m=18
